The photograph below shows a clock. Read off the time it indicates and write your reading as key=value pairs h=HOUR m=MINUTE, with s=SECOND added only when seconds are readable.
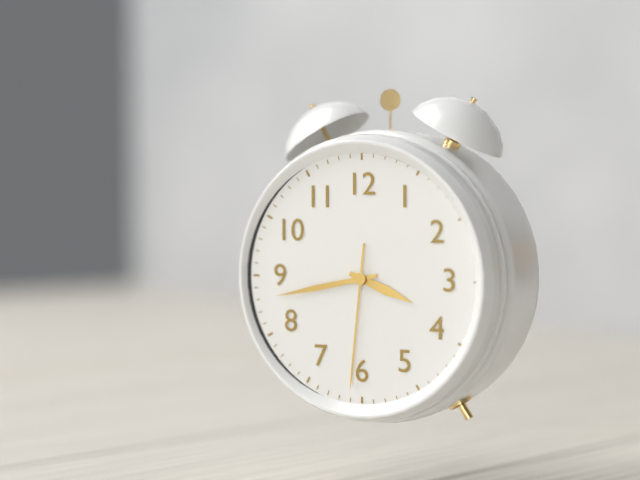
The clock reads h=3 m=43 s=31
